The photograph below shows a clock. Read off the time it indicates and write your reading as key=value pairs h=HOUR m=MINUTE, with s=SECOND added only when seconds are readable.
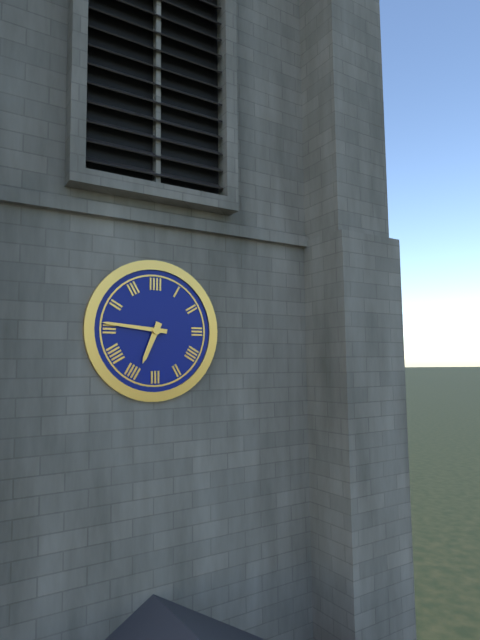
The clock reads h=6 m=46
